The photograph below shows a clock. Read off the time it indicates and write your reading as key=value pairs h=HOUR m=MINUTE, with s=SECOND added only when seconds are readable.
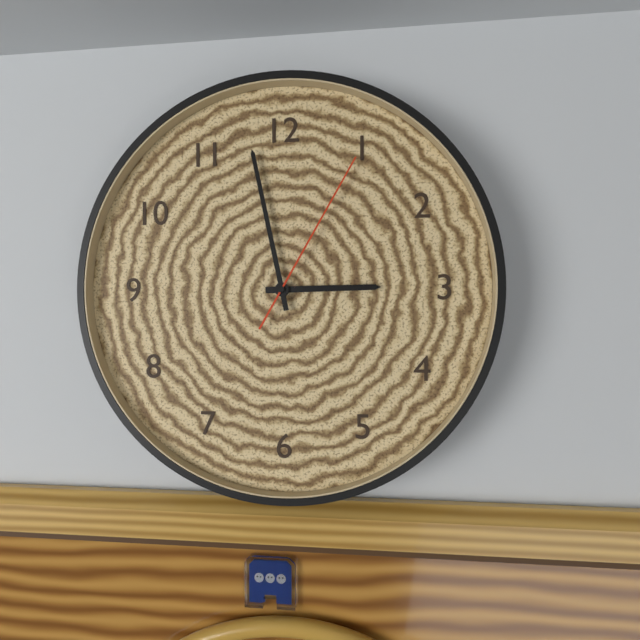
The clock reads h=2 m=58 s=5
